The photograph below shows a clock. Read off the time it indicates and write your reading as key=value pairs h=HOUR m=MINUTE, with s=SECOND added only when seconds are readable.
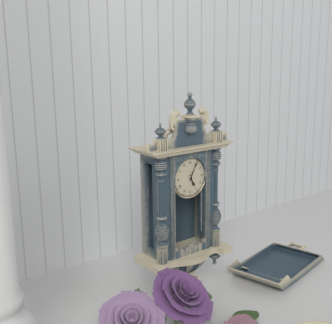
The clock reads h=5 m=5
